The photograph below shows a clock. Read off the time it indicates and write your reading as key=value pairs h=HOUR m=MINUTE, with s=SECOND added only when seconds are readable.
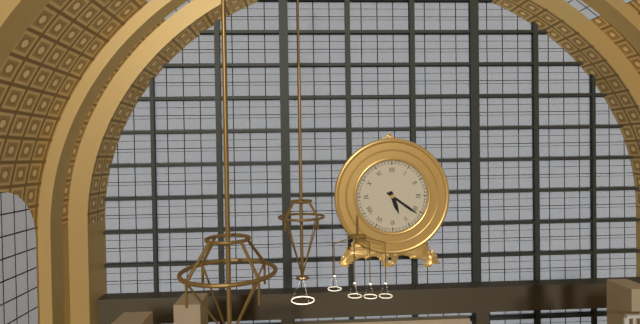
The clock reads h=5 m=21
